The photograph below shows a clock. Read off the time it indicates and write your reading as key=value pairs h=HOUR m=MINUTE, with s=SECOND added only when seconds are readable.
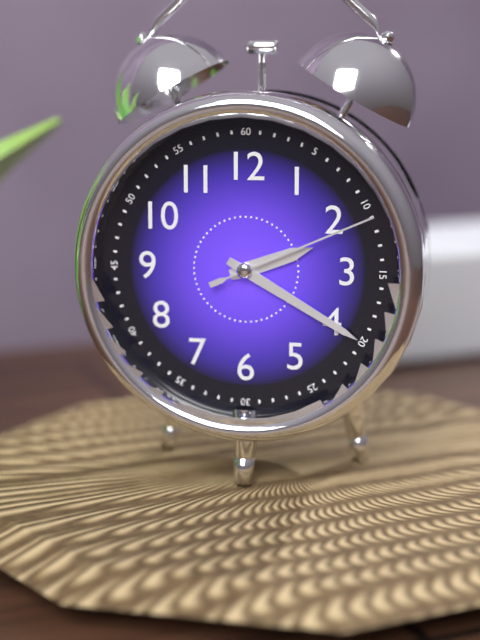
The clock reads h=2 m=20 s=11
